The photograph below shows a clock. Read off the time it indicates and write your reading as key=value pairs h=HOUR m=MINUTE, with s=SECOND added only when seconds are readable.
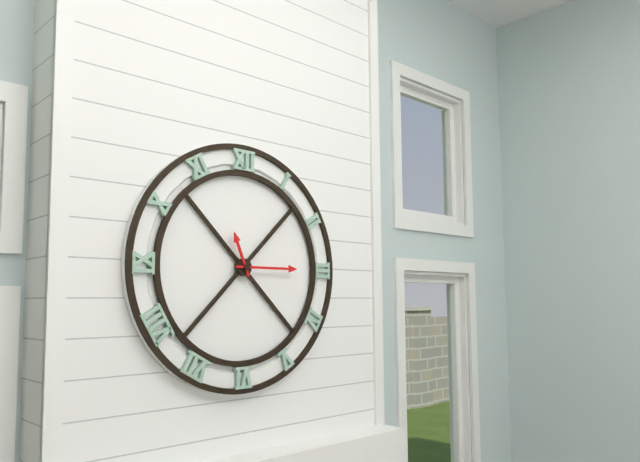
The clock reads h=11 m=15
